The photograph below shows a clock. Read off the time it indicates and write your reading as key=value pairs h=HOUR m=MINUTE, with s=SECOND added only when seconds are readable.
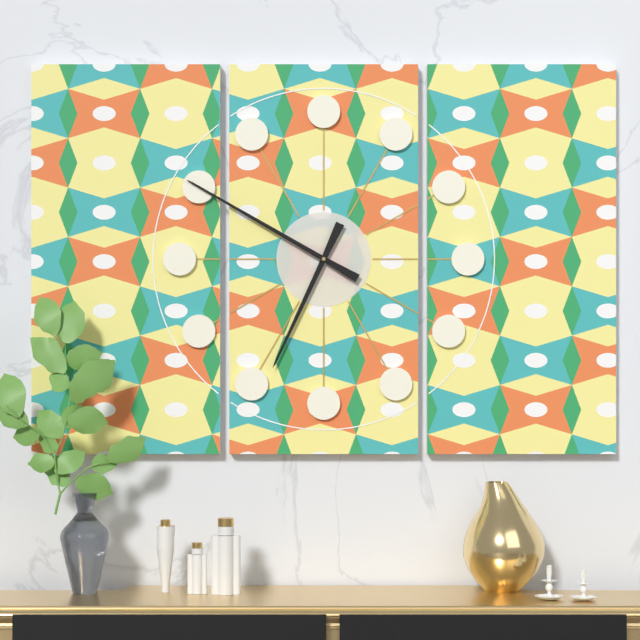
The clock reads h=6 m=50
